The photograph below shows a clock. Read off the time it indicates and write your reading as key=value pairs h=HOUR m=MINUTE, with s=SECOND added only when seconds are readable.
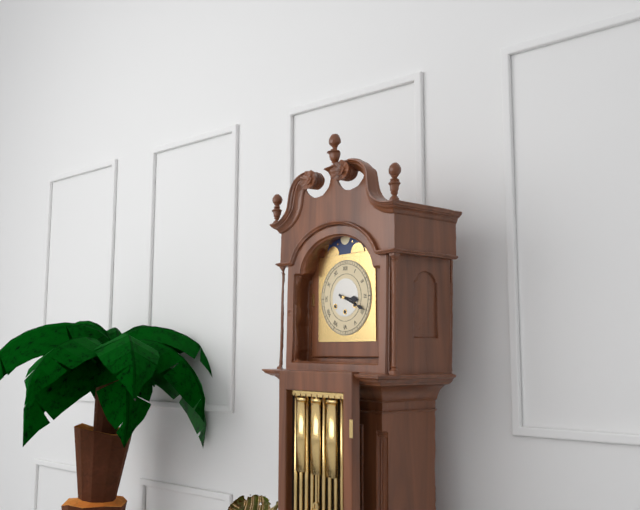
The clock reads h=3 m=19
